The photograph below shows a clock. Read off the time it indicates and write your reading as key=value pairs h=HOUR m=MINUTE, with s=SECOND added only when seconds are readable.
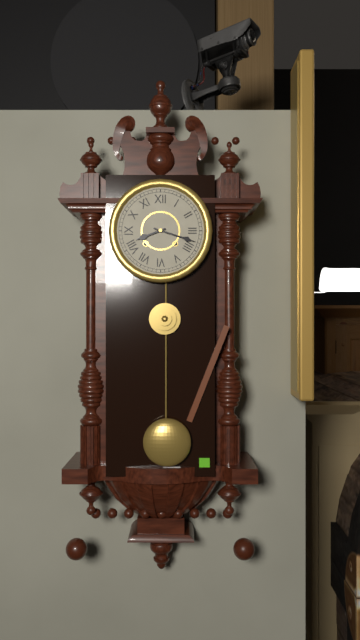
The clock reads h=8 m=18
